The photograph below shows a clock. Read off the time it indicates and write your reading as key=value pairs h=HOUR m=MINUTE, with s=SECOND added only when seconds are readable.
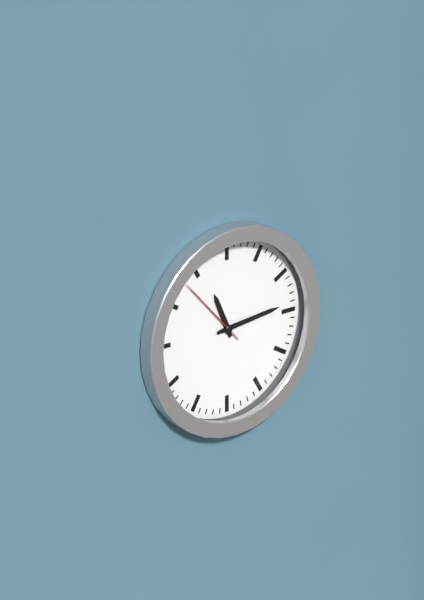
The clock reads h=11 m=14 s=53
